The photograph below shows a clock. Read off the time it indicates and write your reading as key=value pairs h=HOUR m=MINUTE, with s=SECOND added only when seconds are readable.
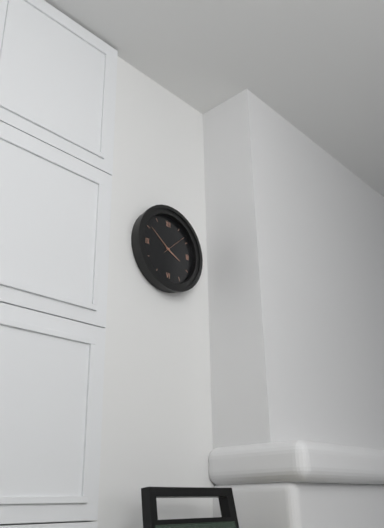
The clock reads h=3 m=51
